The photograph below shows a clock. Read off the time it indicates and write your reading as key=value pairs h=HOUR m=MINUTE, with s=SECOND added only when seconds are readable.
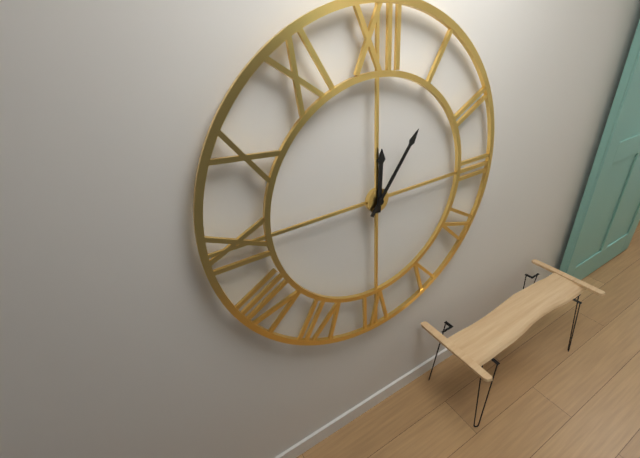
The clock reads h=12 m=6
